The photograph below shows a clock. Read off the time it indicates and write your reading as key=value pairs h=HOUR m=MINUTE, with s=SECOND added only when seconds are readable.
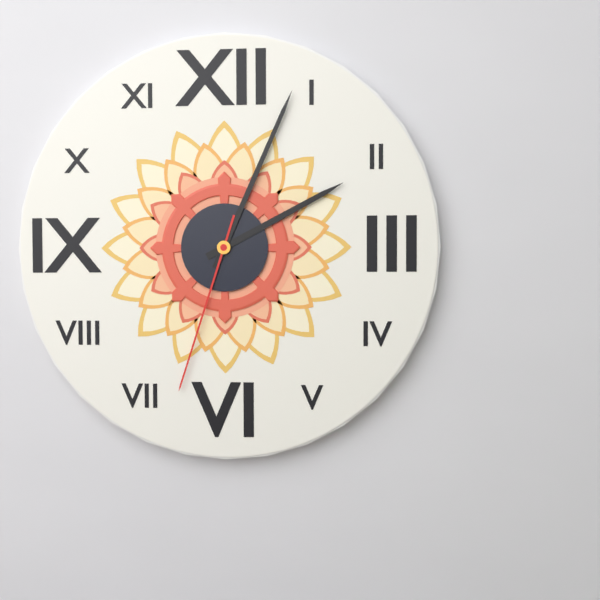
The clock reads h=2 m=4 s=33
